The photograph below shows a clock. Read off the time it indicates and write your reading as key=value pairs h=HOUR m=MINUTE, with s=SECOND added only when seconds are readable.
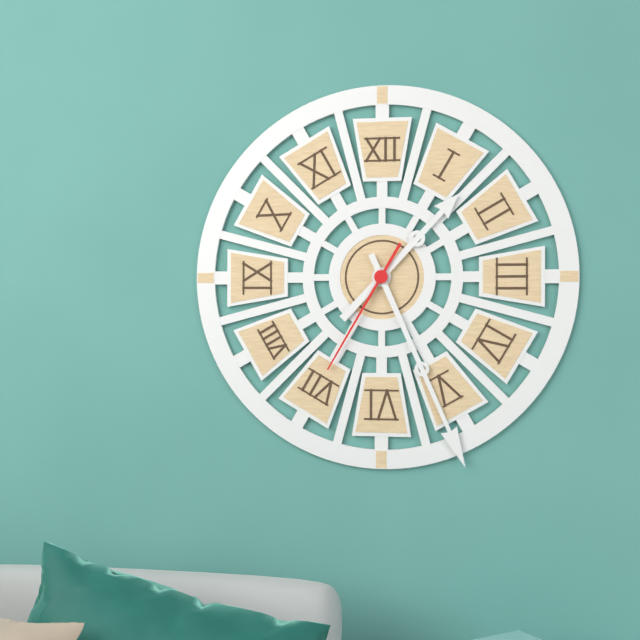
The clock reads h=1 m=26 s=35
